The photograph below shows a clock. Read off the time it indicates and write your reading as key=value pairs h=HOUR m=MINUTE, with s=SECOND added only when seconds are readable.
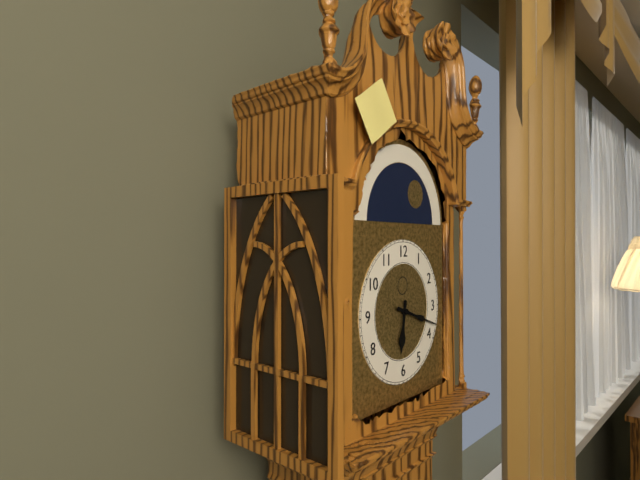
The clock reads h=6 m=18
